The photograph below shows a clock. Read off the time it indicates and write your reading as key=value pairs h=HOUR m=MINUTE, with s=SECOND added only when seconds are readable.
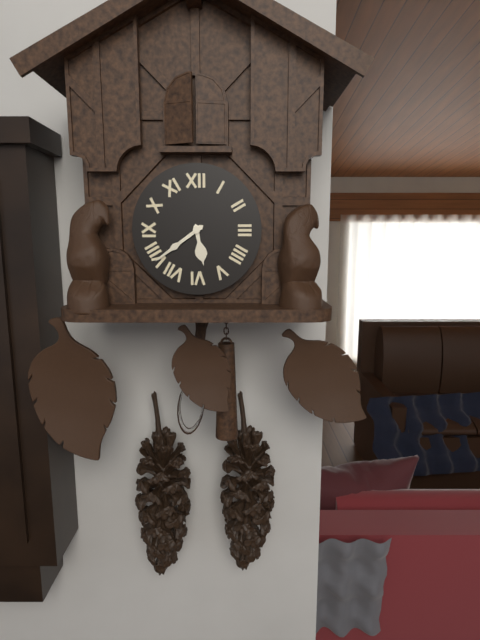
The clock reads h=5 m=39
